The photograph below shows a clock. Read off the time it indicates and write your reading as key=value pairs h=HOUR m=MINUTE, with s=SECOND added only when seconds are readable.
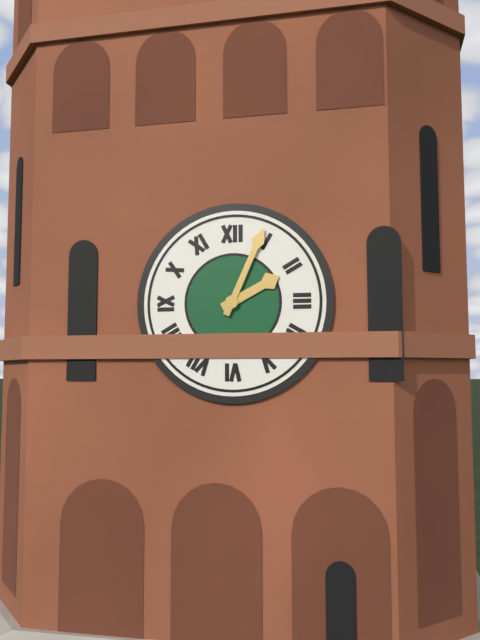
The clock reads h=2 m=4
